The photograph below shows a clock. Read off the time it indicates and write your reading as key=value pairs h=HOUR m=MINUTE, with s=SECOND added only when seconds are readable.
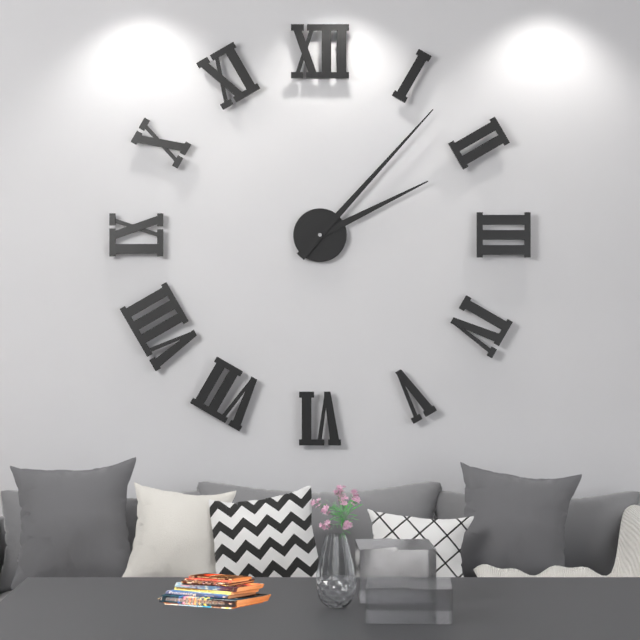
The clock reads h=2 m=7
